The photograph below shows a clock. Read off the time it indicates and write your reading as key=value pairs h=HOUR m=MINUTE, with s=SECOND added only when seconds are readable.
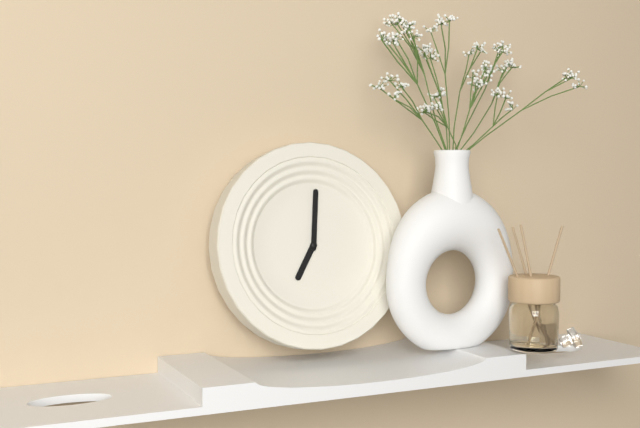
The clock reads h=7 m=1
